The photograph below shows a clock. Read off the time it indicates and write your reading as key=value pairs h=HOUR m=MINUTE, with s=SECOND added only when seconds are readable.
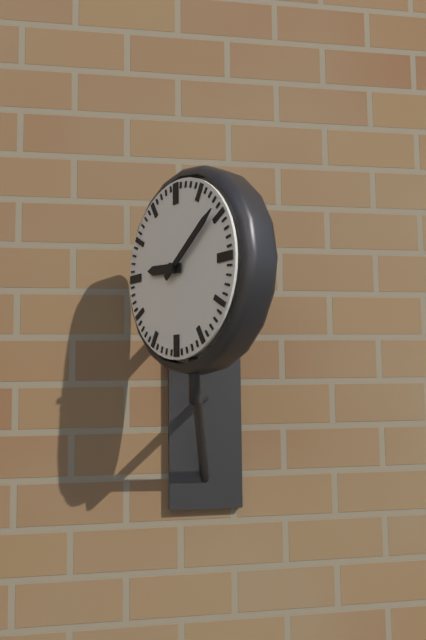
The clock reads h=9 m=9
